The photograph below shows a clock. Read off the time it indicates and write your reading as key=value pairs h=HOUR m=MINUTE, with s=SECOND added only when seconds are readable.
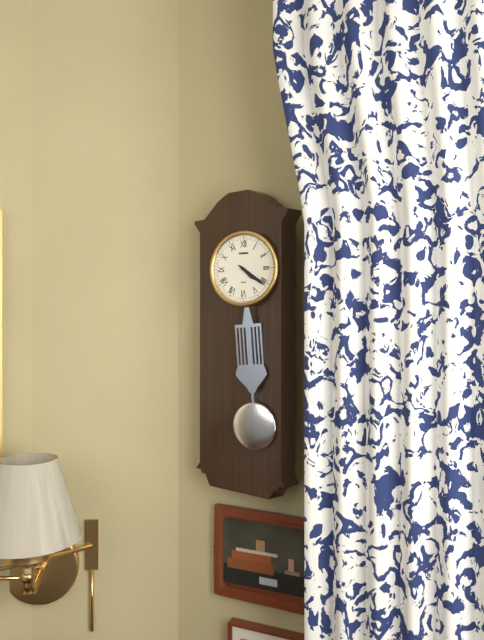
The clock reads h=4 m=21
